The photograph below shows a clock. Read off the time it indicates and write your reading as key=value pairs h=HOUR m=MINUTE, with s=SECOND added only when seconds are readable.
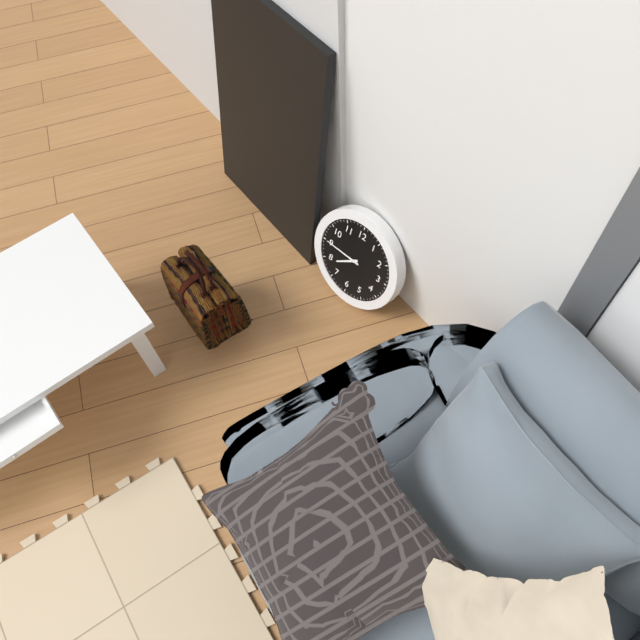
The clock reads h=7 m=45
